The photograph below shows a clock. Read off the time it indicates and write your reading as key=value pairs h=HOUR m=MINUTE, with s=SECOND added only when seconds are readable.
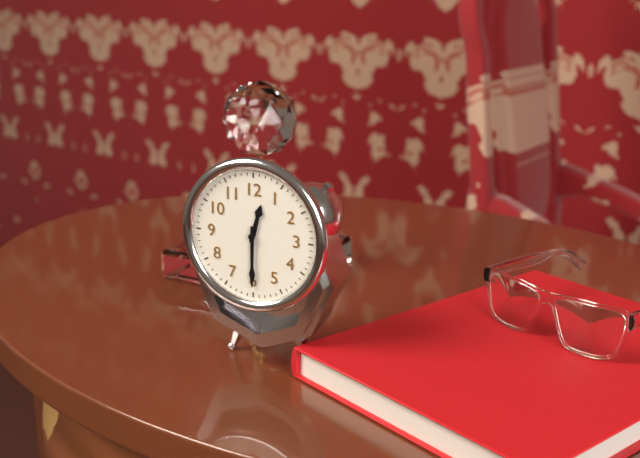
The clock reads h=12 m=30
